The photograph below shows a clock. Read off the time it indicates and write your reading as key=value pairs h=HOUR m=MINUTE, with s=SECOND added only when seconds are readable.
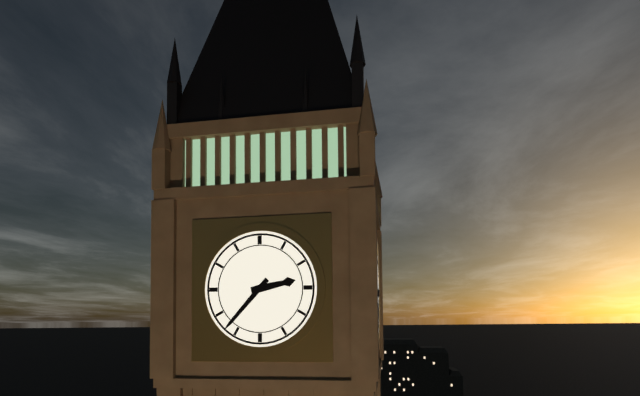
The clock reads h=2 m=37
